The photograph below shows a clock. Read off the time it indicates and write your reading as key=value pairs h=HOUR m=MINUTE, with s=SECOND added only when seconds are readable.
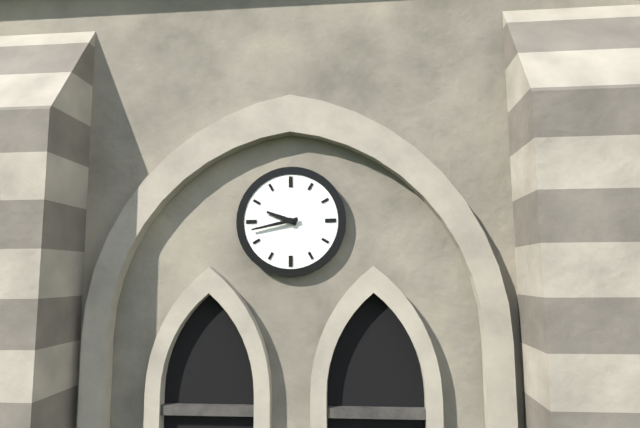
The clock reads h=9 m=43
